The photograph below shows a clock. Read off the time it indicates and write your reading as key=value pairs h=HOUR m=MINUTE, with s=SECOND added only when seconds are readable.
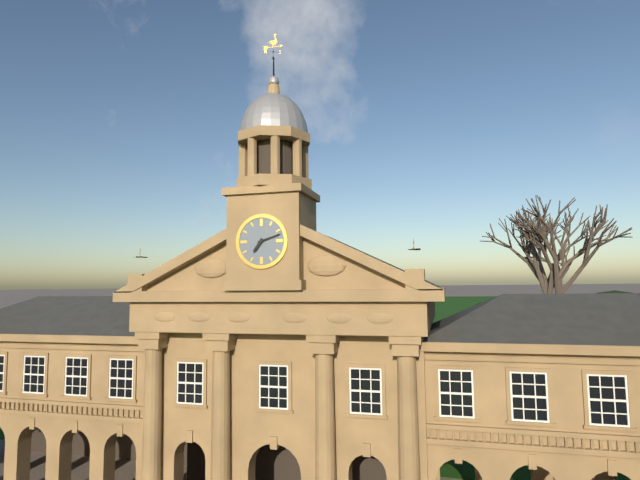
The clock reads h=7 m=12
